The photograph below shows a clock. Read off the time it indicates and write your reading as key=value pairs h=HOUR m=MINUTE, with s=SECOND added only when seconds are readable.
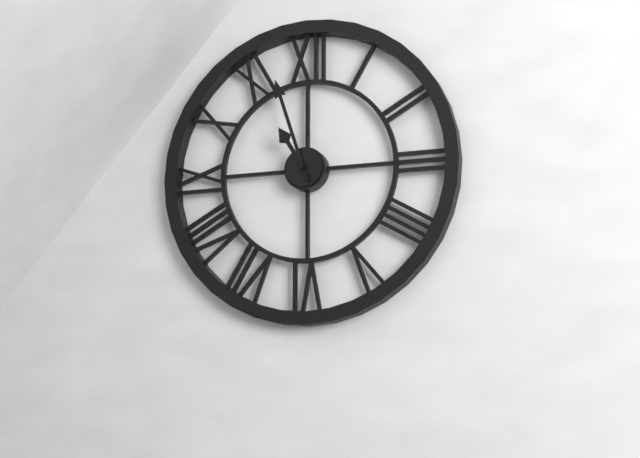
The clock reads h=10 m=57
